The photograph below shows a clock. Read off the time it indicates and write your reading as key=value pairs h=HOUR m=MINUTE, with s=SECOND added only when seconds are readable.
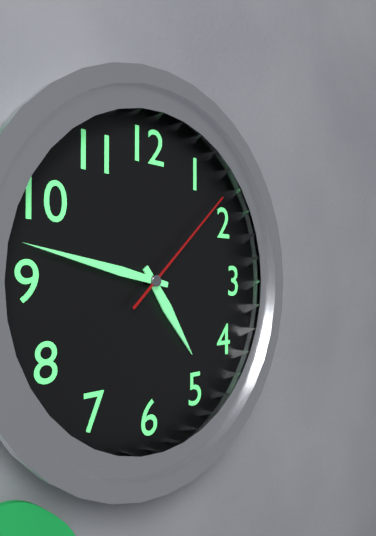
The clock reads h=4 m=47 s=8
